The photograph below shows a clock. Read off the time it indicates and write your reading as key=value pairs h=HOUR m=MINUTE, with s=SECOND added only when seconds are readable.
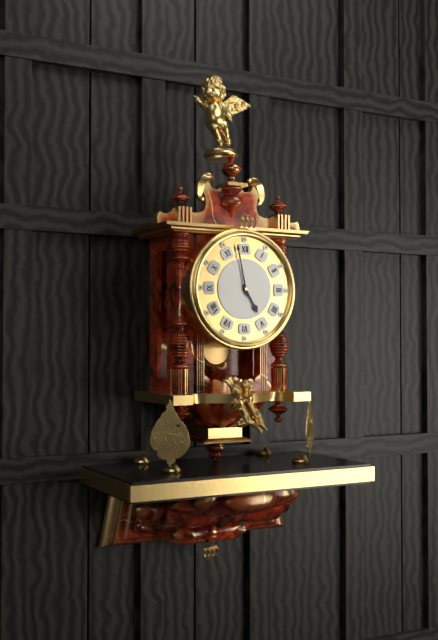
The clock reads h=4 m=58
